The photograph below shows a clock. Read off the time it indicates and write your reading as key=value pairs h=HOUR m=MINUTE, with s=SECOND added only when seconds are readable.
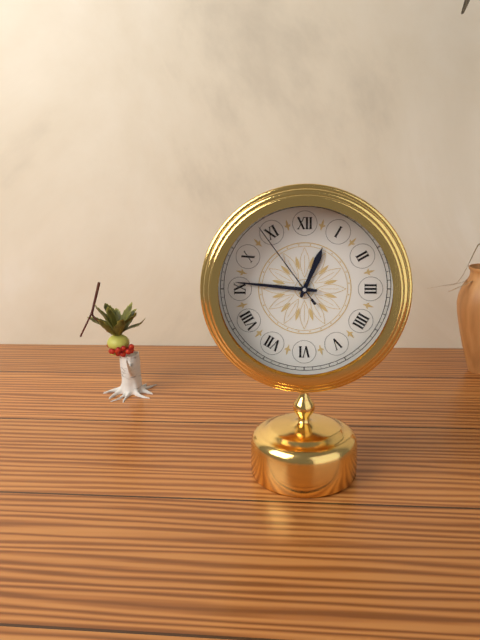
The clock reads h=12 m=46 s=54
